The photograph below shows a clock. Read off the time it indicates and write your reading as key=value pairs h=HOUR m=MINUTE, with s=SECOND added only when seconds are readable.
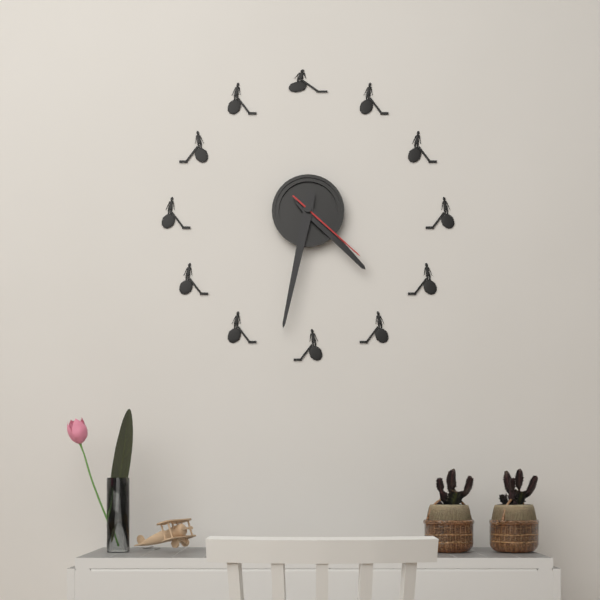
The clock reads h=4 m=32 s=22
